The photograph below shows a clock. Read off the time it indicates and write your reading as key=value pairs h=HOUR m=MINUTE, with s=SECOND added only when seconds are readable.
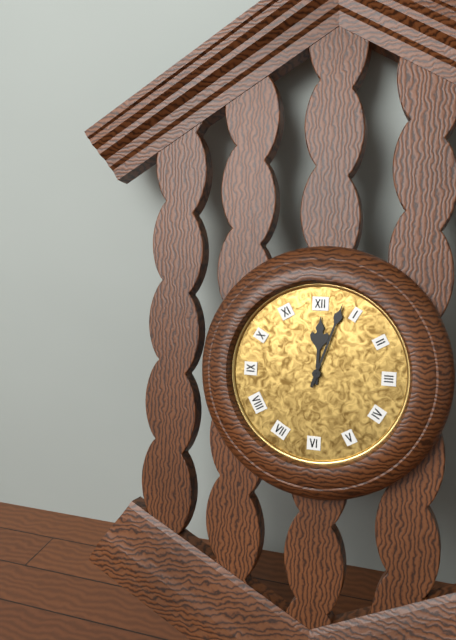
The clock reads h=12 m=3
